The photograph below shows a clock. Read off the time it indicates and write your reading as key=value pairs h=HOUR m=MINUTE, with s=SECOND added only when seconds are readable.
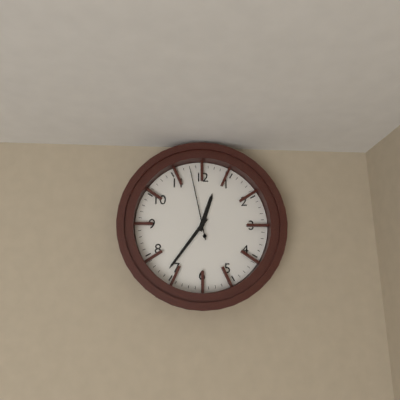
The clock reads h=12 m=36 s=58
